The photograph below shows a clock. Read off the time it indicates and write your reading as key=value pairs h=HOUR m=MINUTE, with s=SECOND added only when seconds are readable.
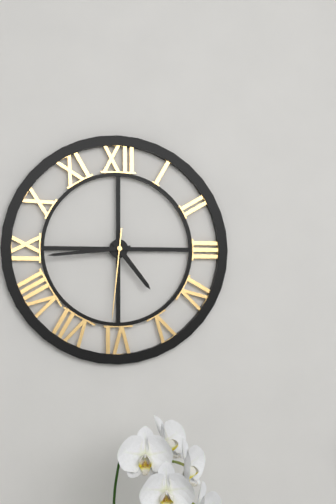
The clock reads h=4 m=44 s=31
